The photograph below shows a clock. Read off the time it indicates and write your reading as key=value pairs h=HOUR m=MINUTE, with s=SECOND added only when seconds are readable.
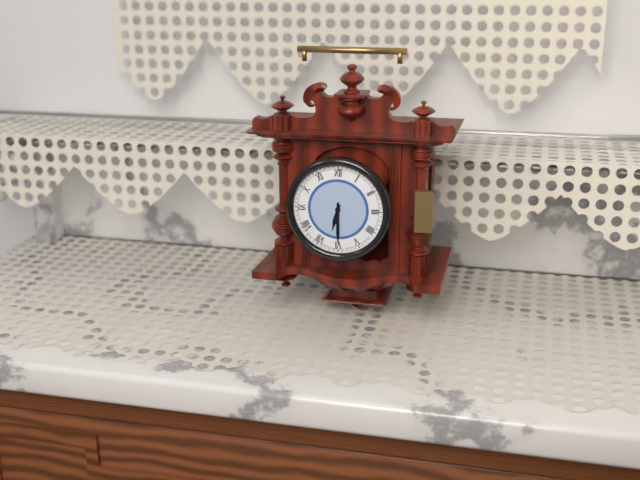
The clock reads h=6 m=30
